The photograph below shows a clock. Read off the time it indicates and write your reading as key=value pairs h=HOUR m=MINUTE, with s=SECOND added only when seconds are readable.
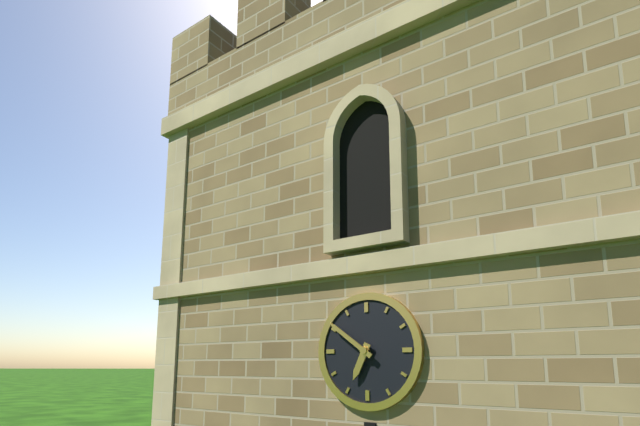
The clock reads h=6 m=51
